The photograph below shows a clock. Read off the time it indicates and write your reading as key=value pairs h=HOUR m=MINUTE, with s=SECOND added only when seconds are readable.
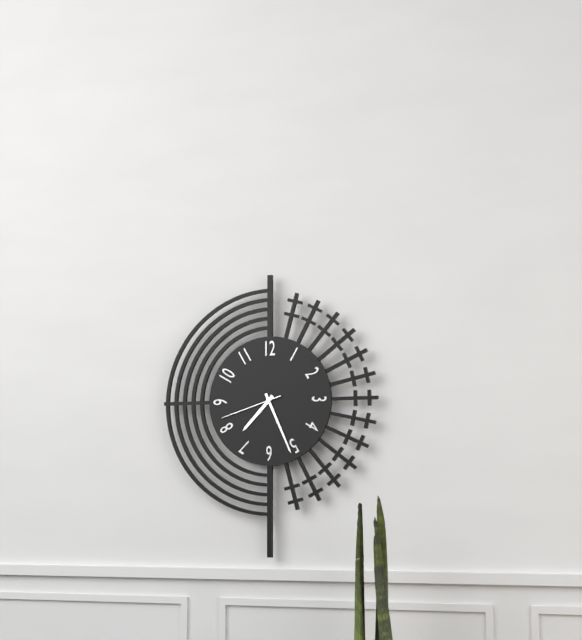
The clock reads h=7 m=26 s=42
